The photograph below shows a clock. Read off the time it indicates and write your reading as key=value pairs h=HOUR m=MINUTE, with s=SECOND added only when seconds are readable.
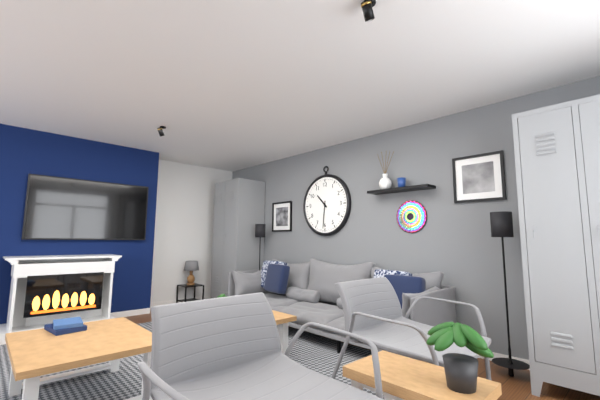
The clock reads h=10 m=31
